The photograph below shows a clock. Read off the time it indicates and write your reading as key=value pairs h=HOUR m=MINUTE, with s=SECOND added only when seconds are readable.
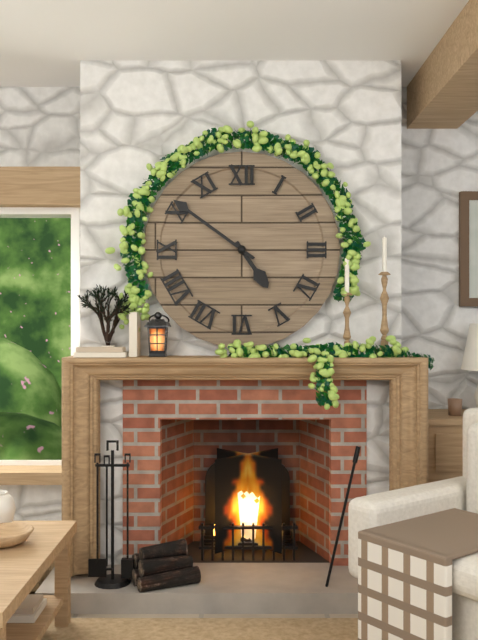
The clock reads h=4 m=51
